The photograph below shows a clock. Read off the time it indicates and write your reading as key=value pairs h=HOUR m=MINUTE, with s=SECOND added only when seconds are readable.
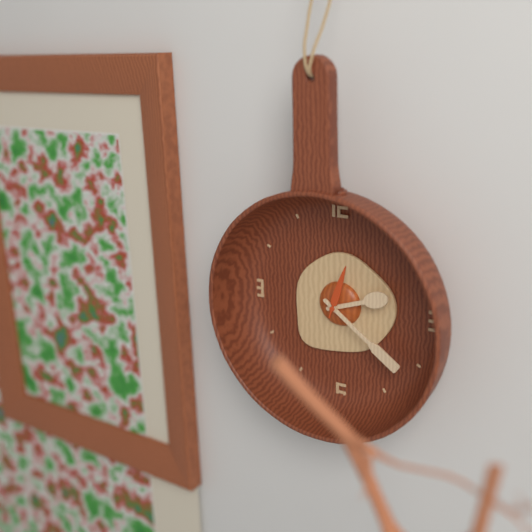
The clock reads h=2 m=21 s=3
